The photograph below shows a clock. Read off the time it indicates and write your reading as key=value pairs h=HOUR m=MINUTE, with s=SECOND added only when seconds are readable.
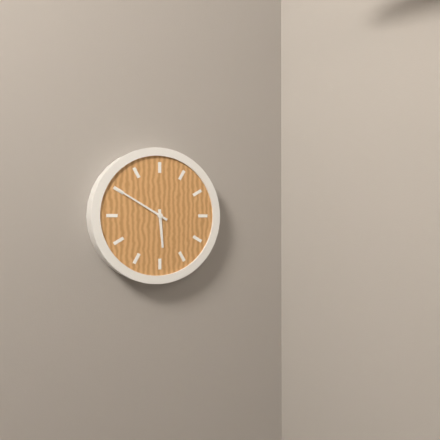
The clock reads h=5 m=50
